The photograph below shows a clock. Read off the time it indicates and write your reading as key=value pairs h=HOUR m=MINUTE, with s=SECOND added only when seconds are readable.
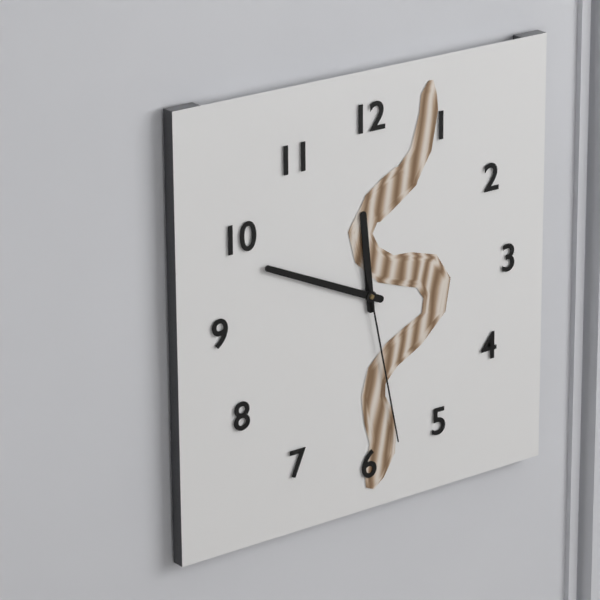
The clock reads h=11 m=49 s=28
